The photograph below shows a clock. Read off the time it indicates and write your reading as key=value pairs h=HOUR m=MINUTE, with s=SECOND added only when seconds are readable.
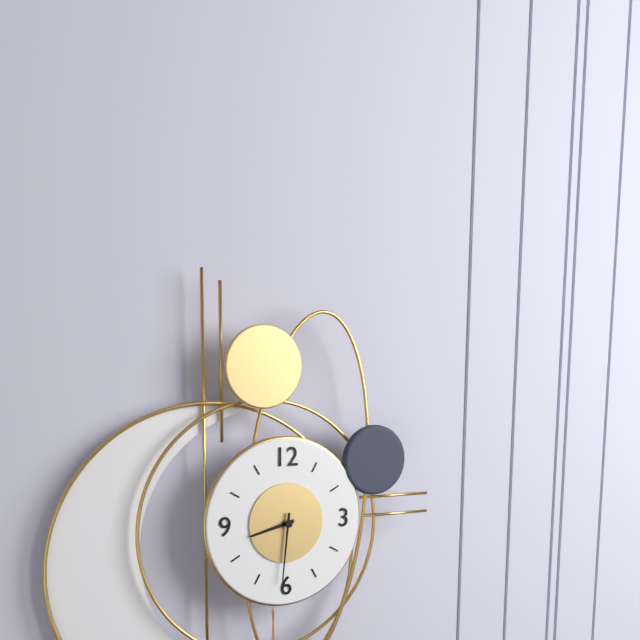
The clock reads h=8 m=31
